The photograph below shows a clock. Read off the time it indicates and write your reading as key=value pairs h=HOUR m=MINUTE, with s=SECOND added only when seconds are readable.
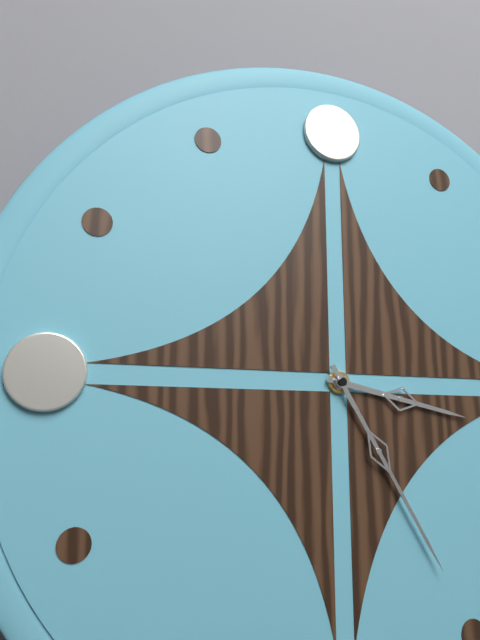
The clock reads h=3 m=25
